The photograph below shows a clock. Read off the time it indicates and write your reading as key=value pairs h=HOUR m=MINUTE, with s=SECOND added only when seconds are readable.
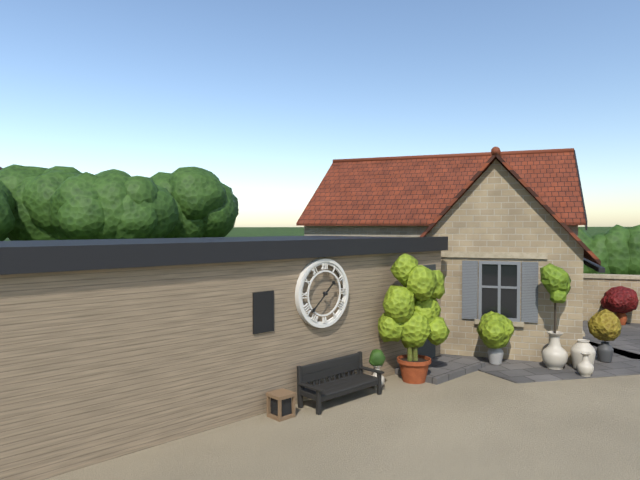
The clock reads h=1 m=38
